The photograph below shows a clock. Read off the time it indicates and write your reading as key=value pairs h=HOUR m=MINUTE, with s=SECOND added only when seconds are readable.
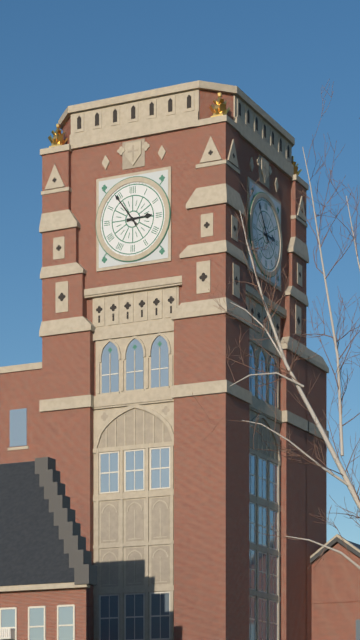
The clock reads h=2 m=54
